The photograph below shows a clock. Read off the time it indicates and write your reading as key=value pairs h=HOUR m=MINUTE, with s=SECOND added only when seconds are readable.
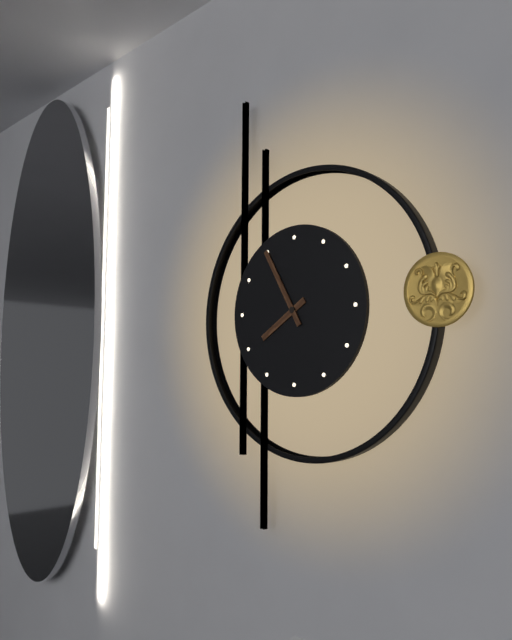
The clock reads h=7 m=55
